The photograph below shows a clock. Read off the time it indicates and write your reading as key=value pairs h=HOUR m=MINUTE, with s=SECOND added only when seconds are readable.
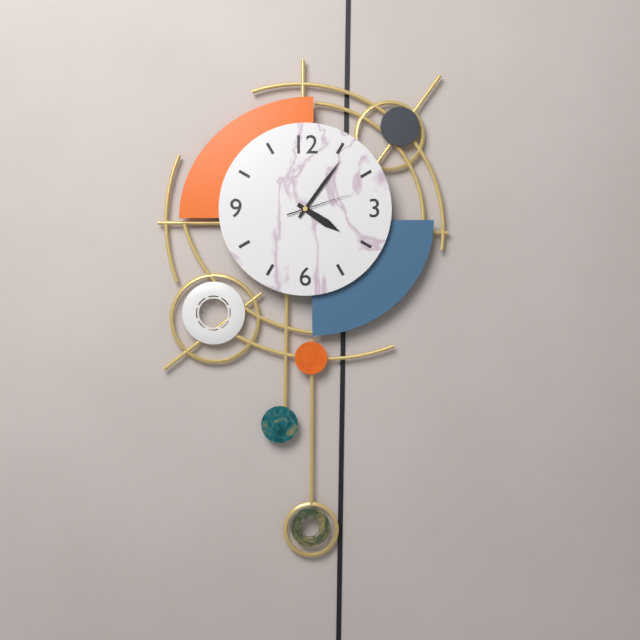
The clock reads h=4 m=6 s=12
